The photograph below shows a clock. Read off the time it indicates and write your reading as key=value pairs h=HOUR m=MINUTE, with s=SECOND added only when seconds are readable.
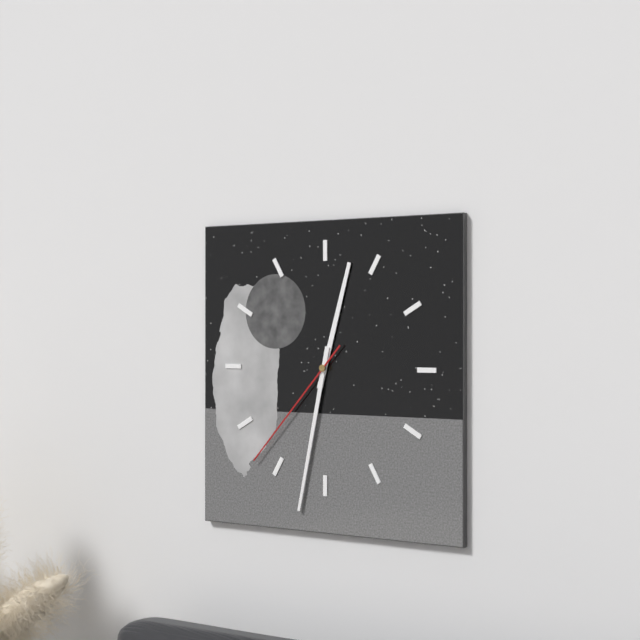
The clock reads h=12 m=32 s=37
